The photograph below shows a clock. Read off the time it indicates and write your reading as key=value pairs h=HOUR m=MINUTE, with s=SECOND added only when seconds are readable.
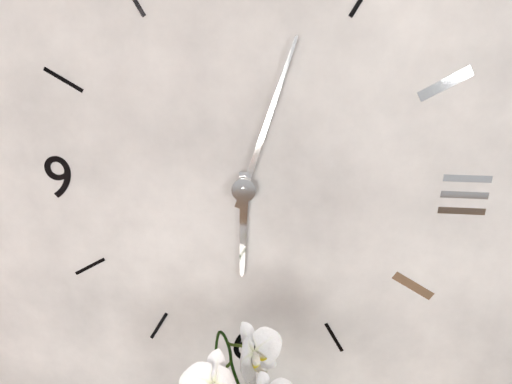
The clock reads h=6 m=3
